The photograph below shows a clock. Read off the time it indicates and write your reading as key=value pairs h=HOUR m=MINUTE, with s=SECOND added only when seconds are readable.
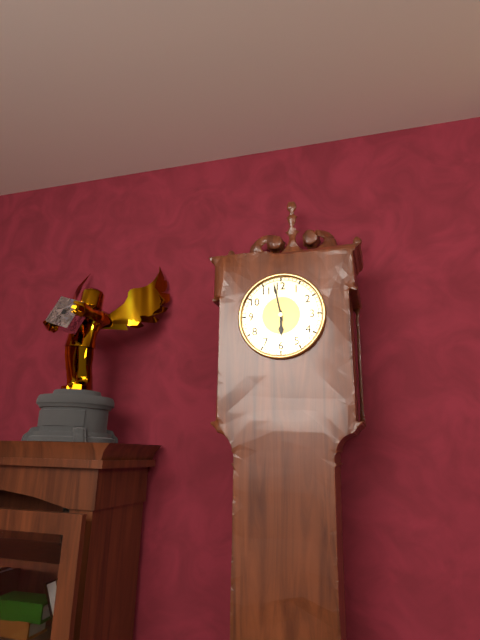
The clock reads h=5 m=58
